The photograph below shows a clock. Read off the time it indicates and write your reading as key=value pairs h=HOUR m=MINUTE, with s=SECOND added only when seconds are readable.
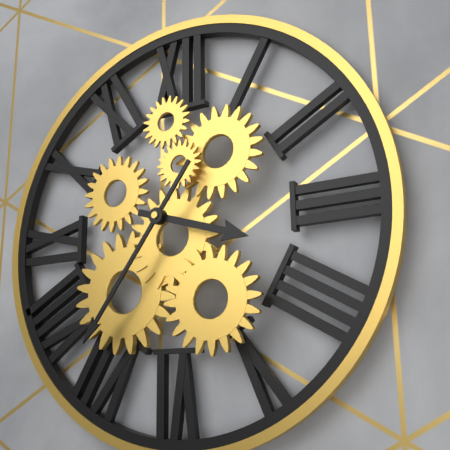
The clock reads h=3 m=36
